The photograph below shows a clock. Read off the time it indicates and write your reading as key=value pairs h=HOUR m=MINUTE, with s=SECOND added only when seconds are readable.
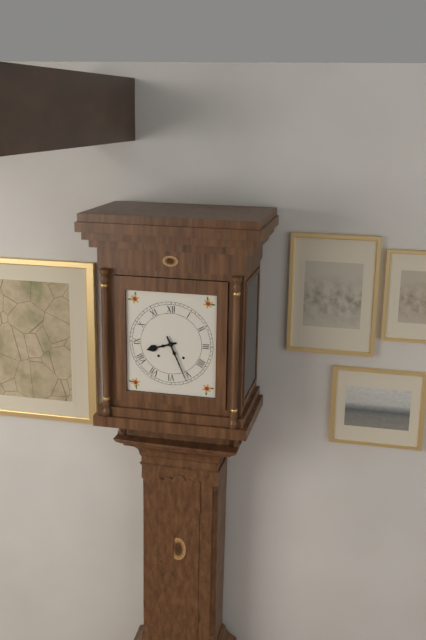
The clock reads h=8 m=26
